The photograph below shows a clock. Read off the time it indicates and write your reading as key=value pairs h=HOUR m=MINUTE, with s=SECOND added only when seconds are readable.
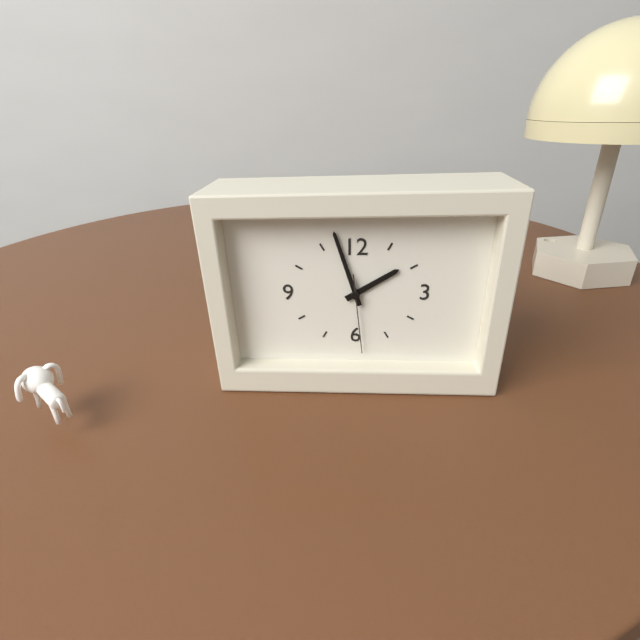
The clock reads h=1 m=57 s=29
